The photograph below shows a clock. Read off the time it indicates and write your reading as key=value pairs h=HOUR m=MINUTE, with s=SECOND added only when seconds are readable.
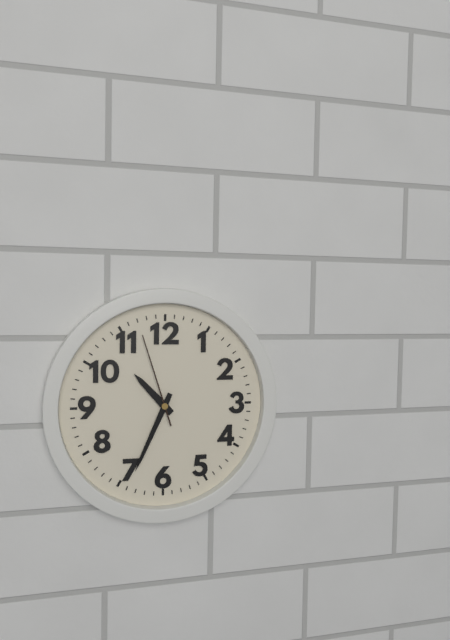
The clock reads h=10 m=34 s=57
